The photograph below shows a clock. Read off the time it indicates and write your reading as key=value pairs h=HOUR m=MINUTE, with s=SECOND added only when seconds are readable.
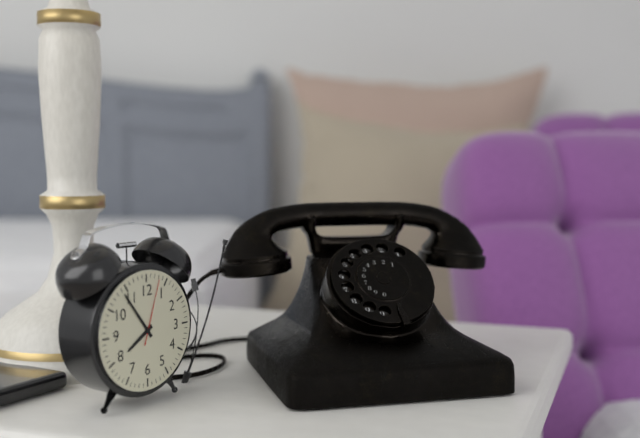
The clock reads h=7 m=54 s=3
